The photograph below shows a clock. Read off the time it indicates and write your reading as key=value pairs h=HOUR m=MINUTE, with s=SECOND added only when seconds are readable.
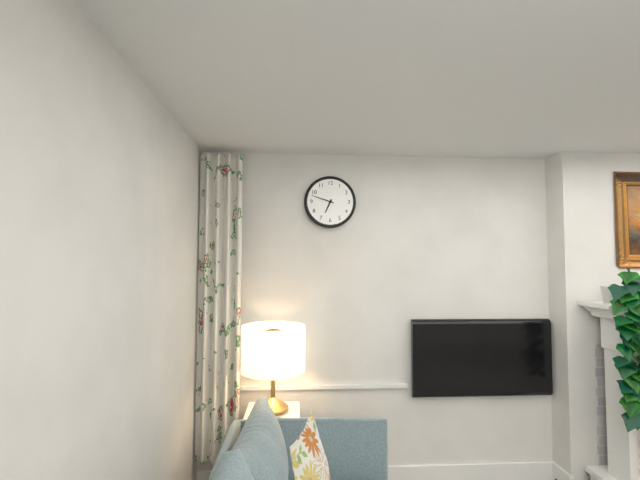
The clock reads h=6 m=48
